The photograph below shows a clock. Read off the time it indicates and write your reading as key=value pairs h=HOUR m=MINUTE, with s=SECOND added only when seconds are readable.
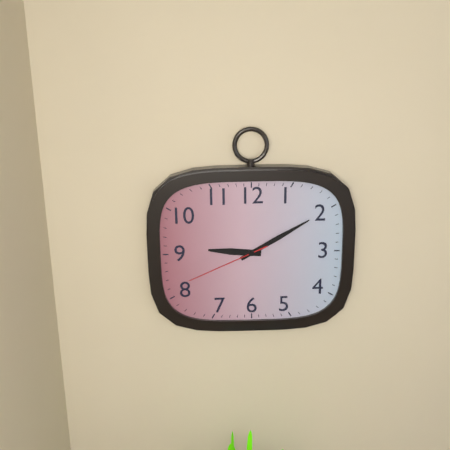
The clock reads h=9 m=10 s=41
